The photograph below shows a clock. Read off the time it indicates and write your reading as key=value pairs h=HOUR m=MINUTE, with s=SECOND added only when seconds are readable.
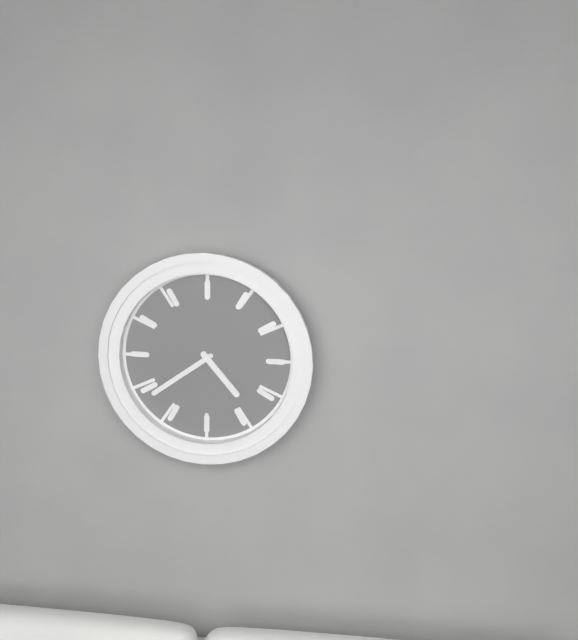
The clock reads h=4 m=39
